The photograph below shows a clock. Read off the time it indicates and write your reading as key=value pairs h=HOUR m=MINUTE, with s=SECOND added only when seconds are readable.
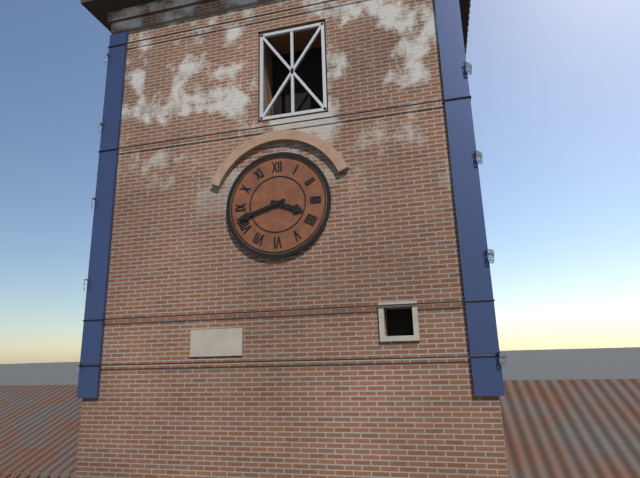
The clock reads h=3 m=42
